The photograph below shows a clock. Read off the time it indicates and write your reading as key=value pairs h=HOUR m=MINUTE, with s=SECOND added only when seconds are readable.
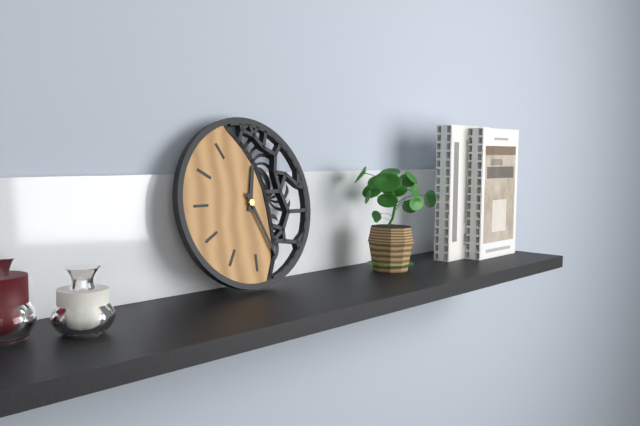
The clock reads h=12 m=26
